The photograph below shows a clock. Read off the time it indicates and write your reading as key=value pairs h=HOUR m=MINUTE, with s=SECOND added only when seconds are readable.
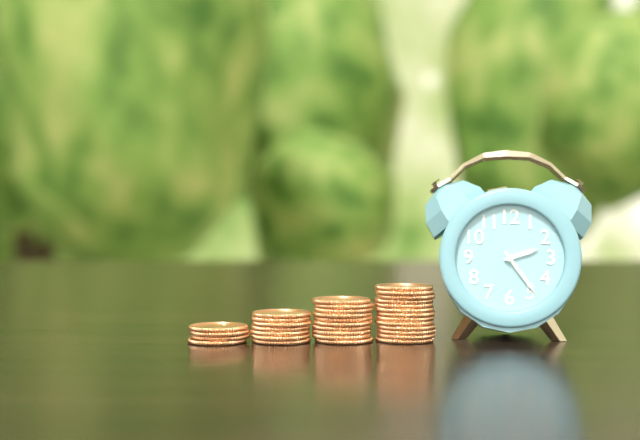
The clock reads h=2 m=24
